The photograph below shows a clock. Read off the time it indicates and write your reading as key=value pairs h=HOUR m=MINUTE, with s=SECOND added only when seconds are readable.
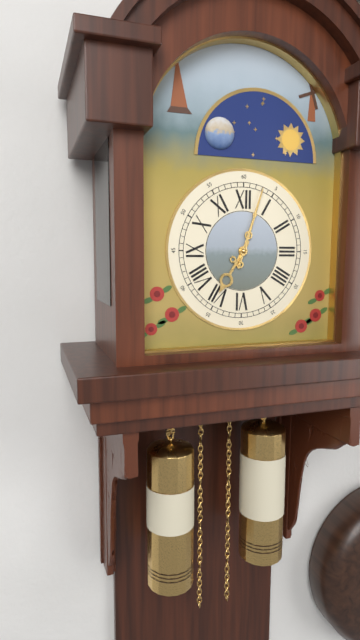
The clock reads h=7 m=3
